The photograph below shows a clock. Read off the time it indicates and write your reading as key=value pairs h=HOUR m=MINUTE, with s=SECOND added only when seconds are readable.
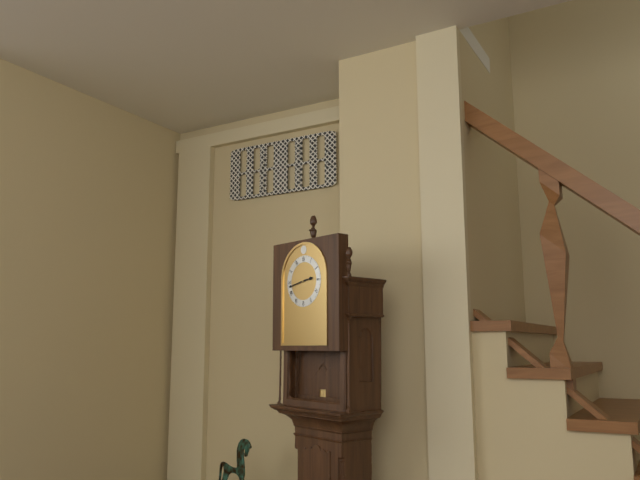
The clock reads h=2 m=43
